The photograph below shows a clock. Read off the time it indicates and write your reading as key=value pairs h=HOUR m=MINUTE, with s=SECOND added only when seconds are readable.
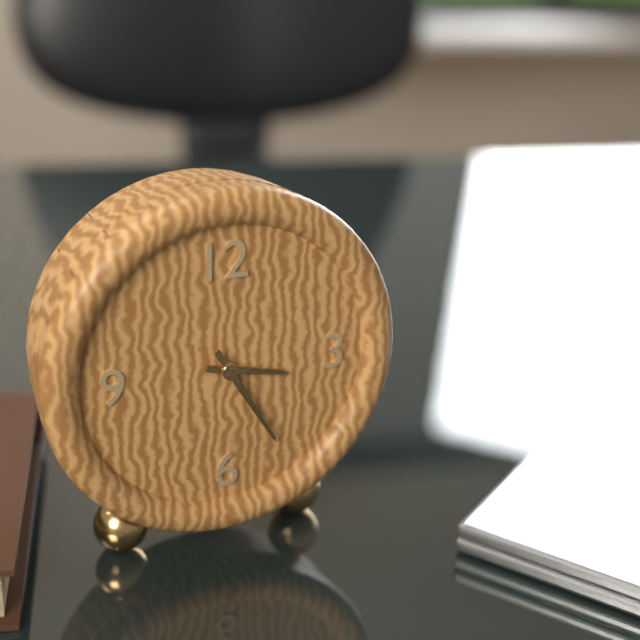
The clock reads h=3 m=25
